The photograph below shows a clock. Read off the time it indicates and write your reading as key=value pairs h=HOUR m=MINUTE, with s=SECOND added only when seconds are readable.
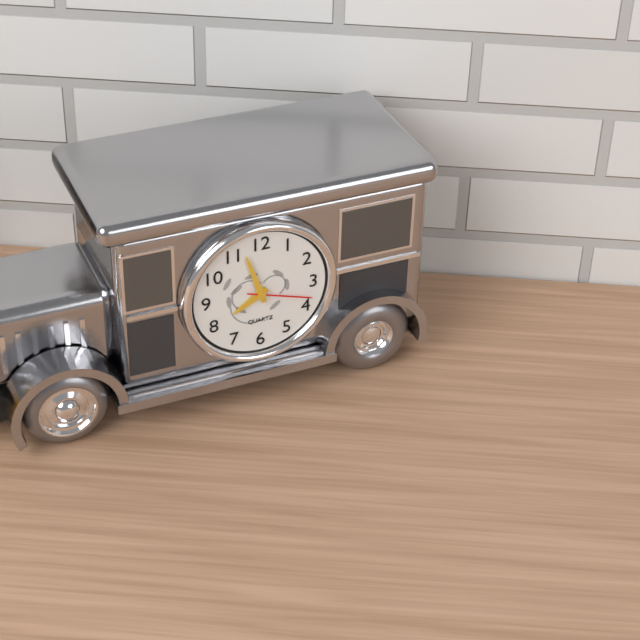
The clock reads h=7 m=57 s=18
